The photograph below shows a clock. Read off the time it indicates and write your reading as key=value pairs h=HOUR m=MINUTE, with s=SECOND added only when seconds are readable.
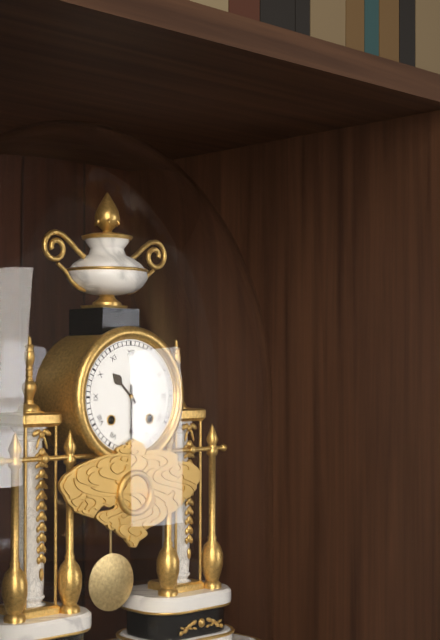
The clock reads h=10 m=30
